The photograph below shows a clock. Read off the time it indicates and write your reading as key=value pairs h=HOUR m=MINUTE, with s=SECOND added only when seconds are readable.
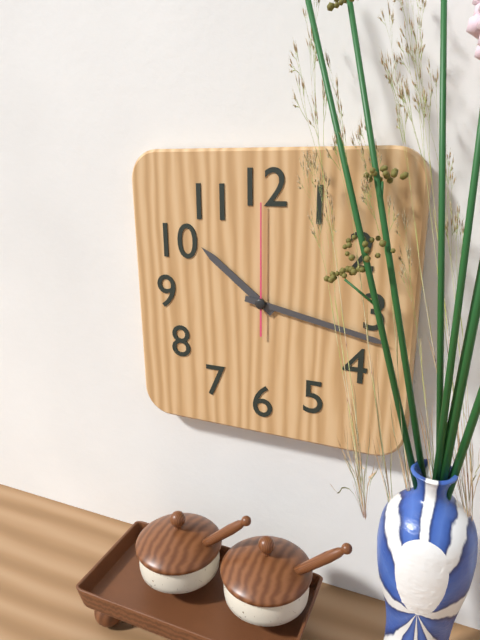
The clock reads h=10 m=17 s=0
